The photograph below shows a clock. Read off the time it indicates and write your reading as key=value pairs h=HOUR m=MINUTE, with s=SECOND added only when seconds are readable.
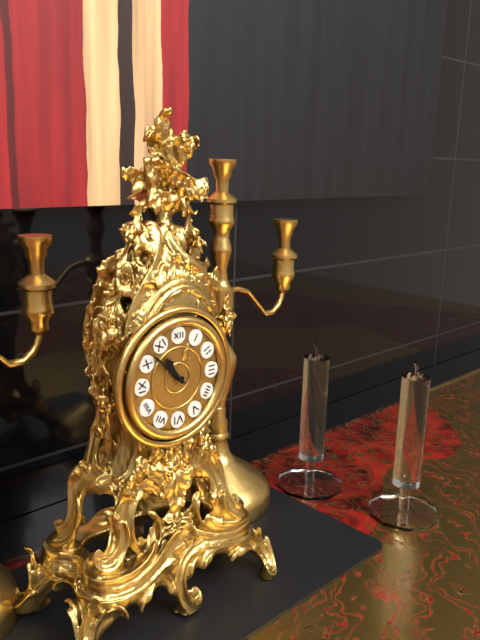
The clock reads h=10 m=52
